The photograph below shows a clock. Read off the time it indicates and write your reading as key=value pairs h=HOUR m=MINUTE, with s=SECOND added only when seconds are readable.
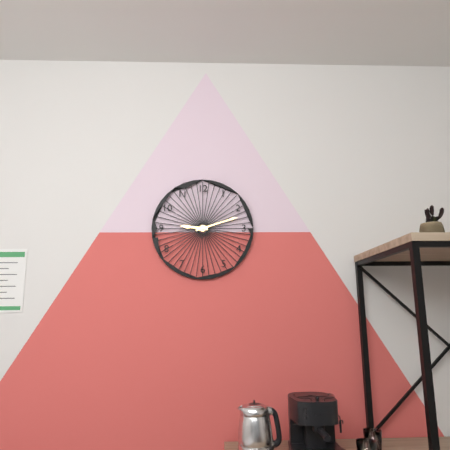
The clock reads h=9 m=12
